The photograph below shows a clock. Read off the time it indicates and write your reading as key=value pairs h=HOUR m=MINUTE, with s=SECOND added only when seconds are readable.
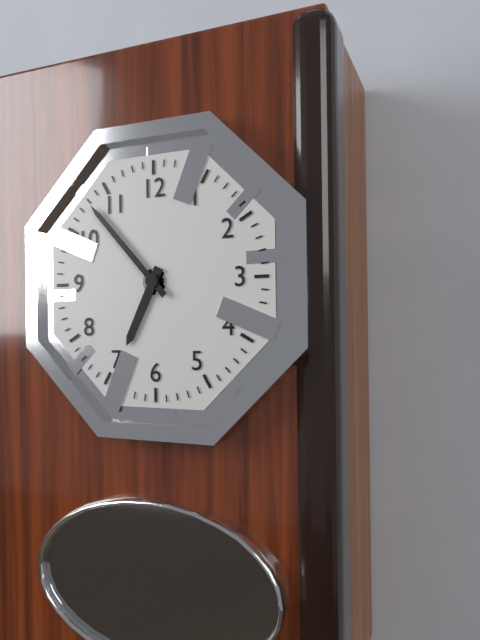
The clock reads h=6 m=53
